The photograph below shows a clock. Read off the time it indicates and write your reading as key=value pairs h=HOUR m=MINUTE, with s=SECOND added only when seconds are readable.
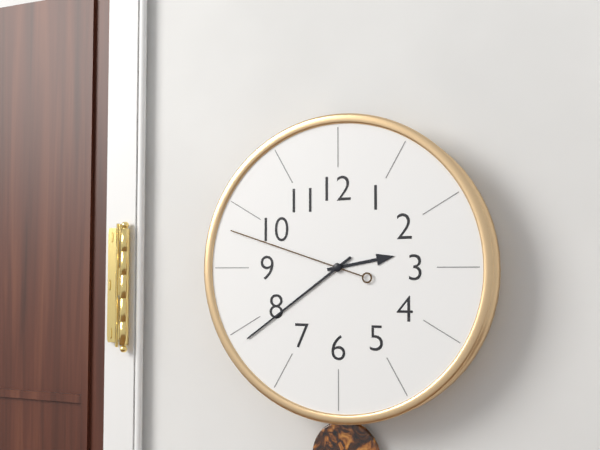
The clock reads h=2 m=39 s=48
